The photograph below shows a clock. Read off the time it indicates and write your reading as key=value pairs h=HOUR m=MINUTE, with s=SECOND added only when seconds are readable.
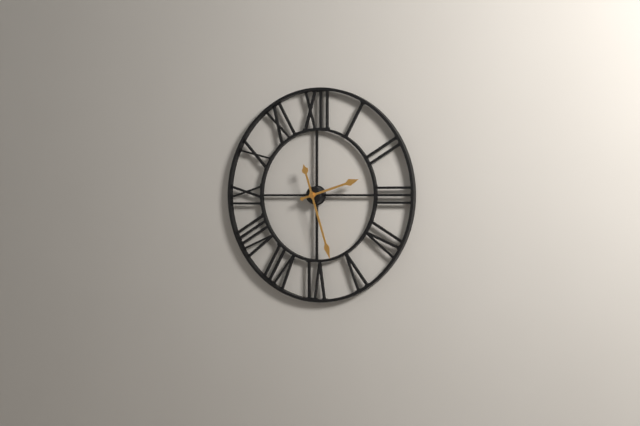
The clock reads h=2 m=27
